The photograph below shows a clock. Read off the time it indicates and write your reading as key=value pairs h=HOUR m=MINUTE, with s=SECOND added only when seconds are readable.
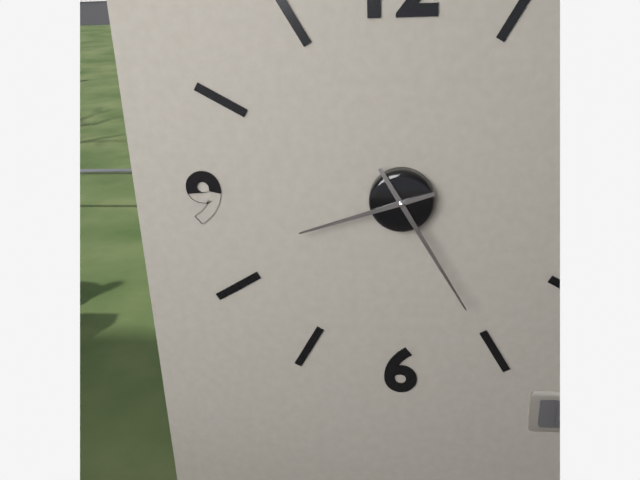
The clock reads h=8 m=25
